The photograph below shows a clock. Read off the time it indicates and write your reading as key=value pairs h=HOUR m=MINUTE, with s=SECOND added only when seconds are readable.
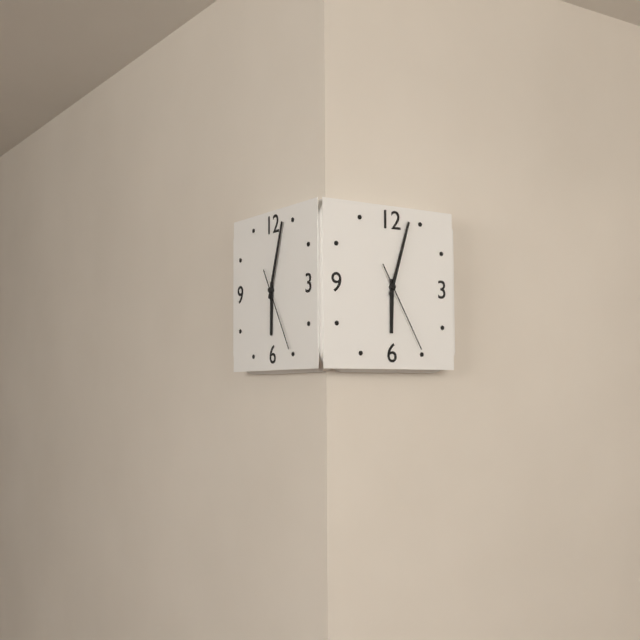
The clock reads h=6 m=3 s=25
